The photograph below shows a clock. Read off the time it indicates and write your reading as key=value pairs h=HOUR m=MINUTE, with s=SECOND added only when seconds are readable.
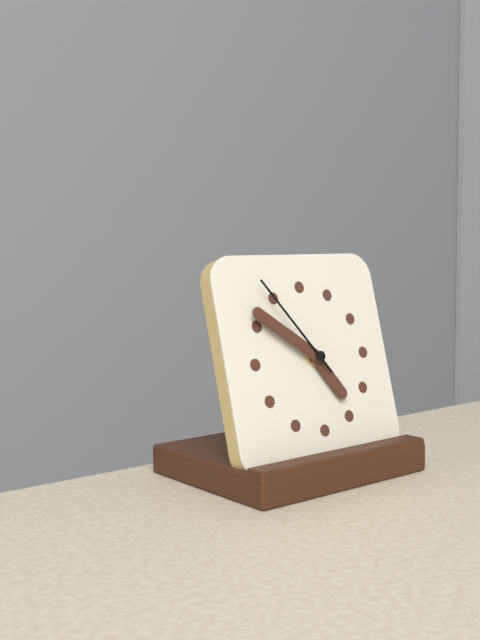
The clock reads h=4 m=51 s=54
